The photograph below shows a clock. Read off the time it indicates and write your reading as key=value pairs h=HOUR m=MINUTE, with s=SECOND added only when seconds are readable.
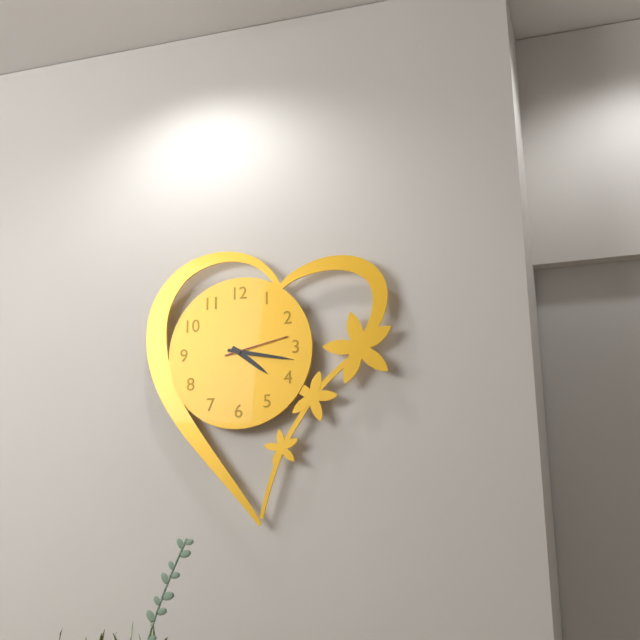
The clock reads h=4 m=17 s=13
